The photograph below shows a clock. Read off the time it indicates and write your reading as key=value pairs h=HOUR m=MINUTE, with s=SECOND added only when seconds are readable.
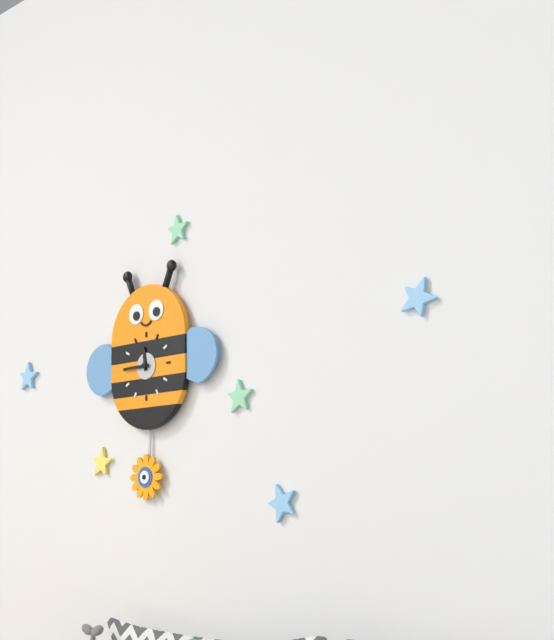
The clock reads h=11 m=45
